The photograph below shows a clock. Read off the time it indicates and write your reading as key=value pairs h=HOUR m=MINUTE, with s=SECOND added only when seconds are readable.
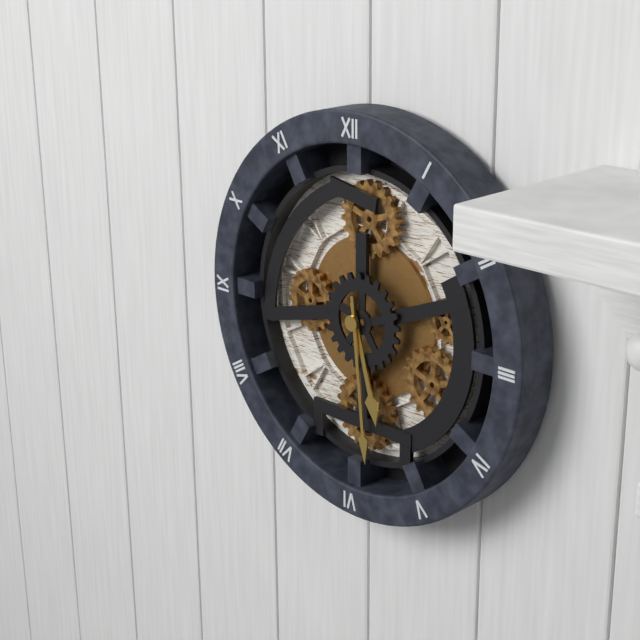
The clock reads h=5 m=29
